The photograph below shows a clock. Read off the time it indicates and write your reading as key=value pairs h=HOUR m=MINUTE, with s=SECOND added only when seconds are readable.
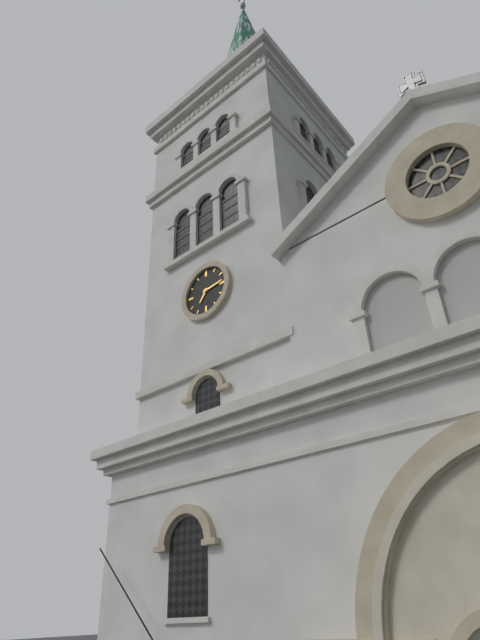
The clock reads h=7 m=14
